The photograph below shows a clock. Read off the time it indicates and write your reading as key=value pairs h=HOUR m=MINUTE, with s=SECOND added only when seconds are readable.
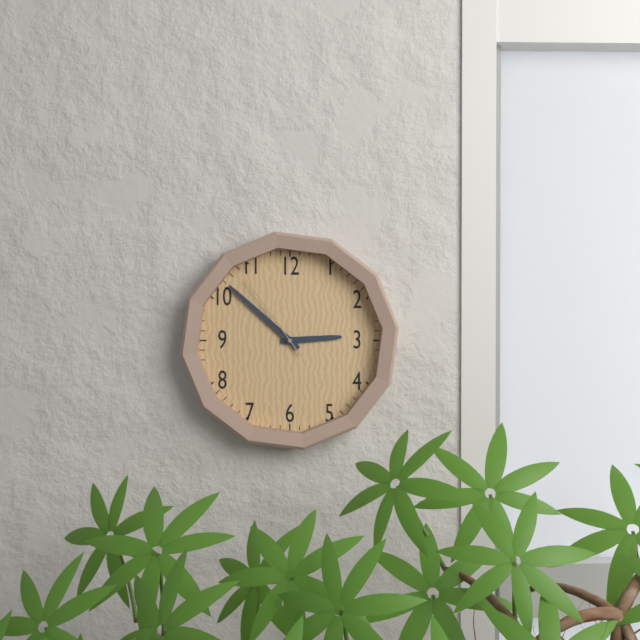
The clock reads h=2 m=52 s=54
